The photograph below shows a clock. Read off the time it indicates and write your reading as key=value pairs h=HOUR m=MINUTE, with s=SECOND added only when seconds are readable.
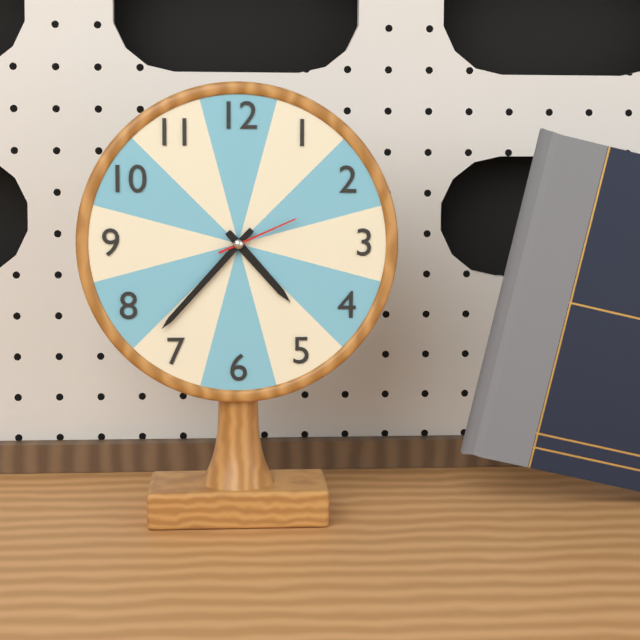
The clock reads h=4 m=37 s=11
